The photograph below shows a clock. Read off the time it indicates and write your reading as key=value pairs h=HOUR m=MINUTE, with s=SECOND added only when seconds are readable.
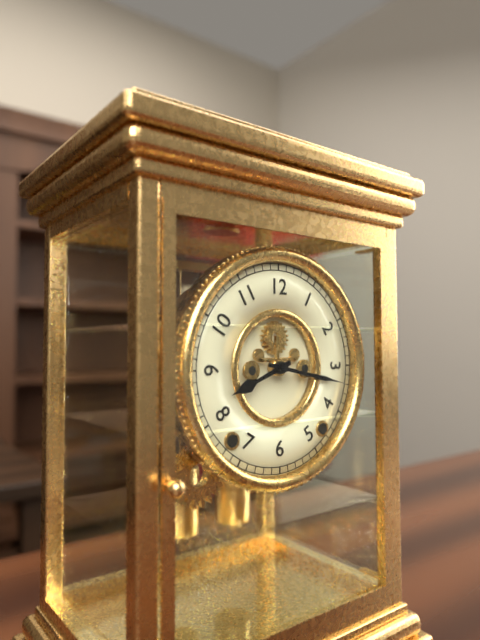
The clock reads h=8 m=17
